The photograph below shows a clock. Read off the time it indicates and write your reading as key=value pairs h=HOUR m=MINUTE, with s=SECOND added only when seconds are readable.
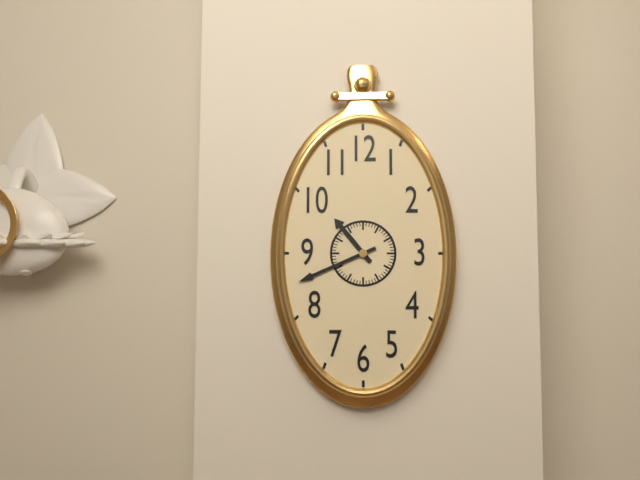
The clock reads h=10 m=41
